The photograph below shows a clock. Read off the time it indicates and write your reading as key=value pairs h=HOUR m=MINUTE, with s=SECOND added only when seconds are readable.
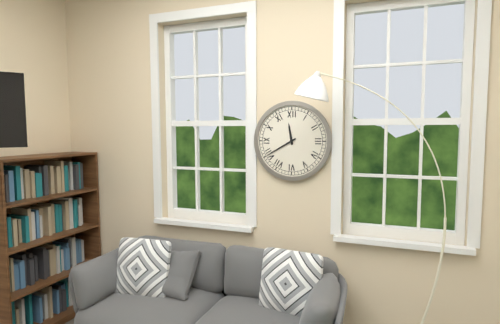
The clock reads h=11 m=40
